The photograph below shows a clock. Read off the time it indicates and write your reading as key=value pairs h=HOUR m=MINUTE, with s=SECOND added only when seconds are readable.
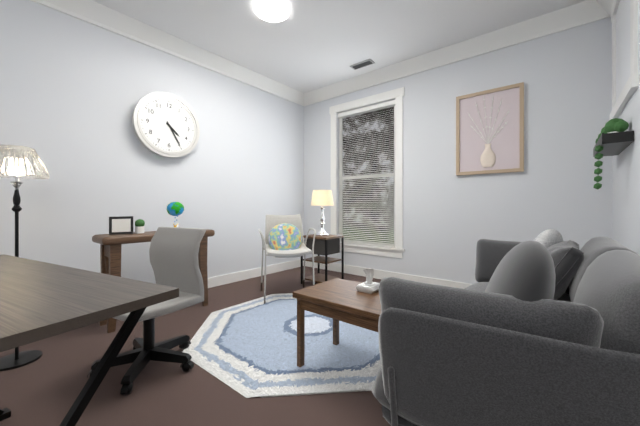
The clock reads h=4 m=25
